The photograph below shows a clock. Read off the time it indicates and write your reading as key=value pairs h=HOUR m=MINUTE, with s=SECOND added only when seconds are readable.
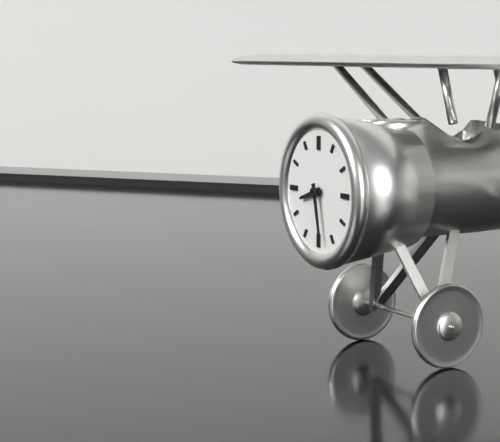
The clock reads h=8 m=28
